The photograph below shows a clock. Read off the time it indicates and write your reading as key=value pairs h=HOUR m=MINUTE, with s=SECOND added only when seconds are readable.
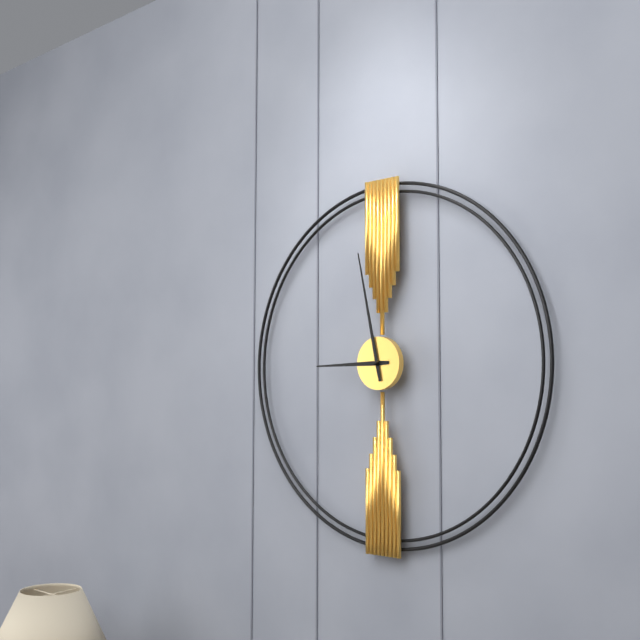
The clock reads h=8 m=58
